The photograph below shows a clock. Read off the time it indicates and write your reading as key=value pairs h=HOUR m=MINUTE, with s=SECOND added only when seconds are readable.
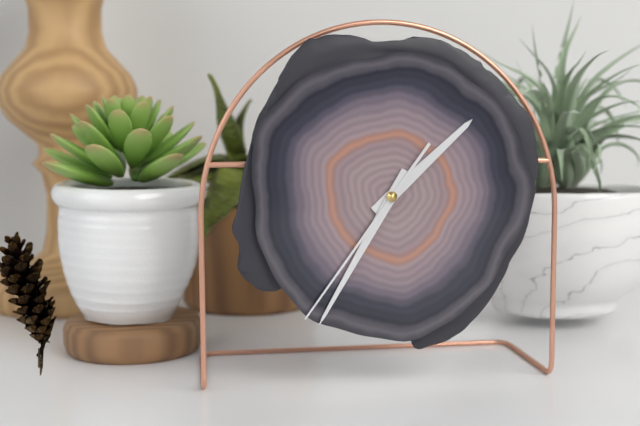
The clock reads h=1 m=35 s=36
